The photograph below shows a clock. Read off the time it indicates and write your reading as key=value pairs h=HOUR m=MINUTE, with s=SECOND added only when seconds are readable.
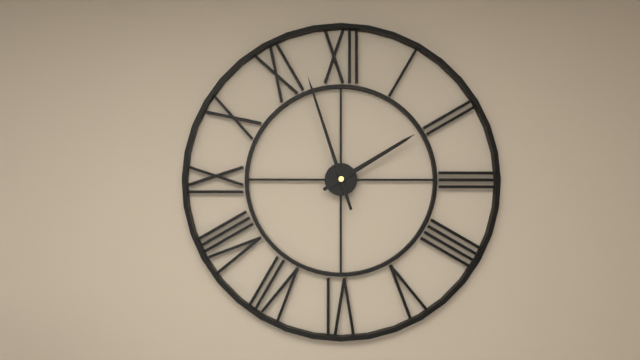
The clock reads h=1 m=57
